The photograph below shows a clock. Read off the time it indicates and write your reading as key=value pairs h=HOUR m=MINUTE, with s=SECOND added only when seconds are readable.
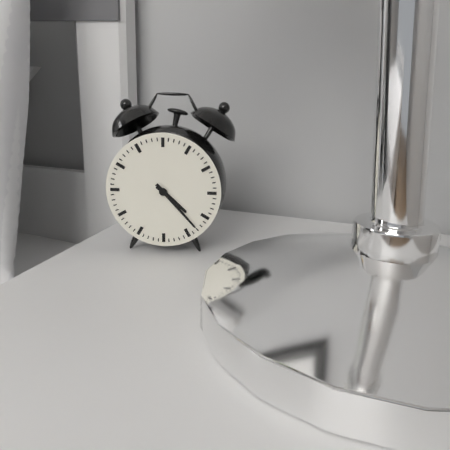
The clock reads h=4 m=23
